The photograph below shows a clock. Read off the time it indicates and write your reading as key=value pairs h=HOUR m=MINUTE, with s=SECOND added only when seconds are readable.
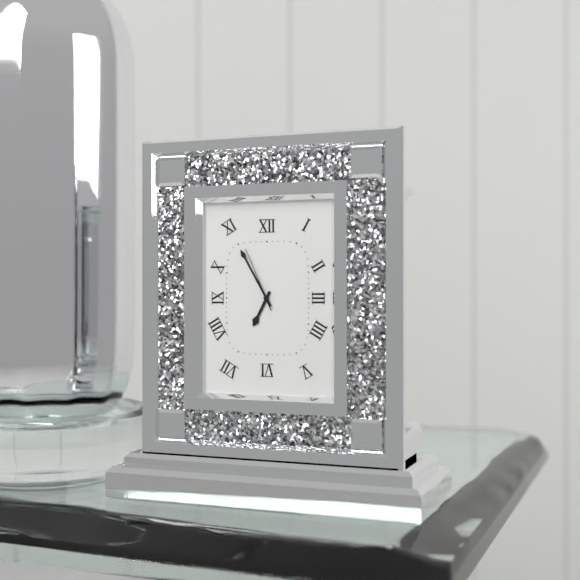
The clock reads h=6 m=55 s=56
